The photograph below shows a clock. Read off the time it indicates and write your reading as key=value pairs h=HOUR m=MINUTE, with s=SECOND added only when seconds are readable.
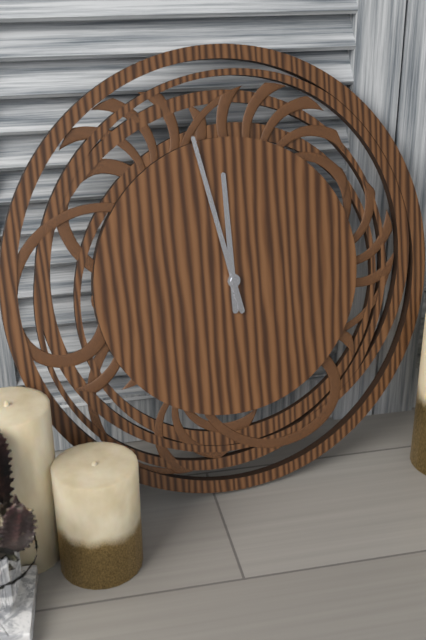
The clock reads h=11 m=58
